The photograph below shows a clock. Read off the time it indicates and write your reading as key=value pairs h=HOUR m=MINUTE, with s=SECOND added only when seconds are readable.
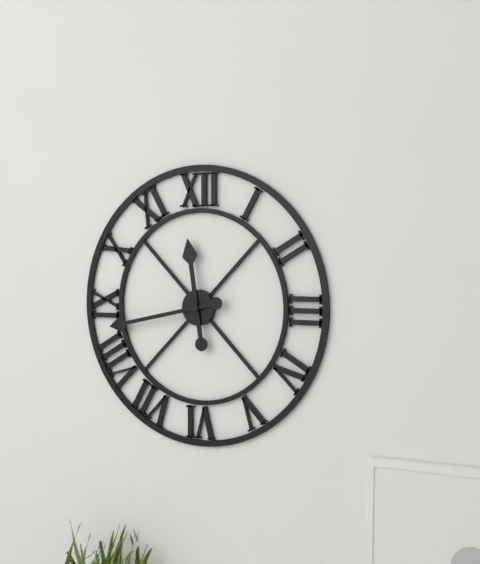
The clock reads h=11 m=43
